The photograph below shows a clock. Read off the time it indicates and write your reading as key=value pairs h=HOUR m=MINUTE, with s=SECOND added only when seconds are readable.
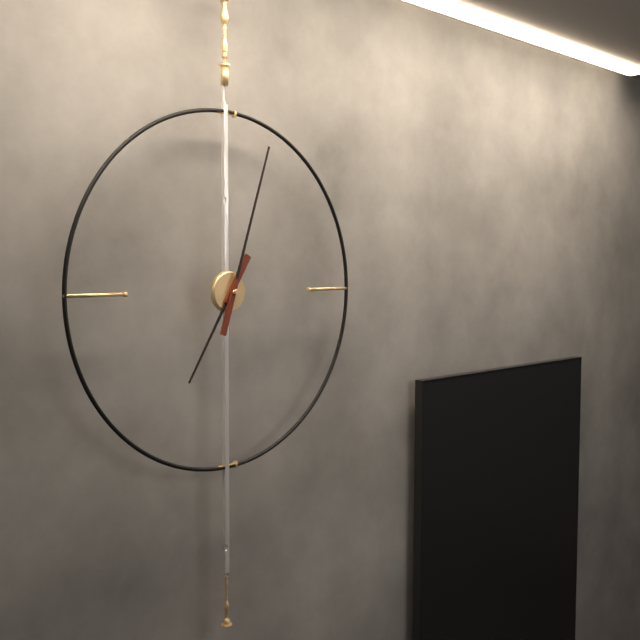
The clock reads h=7 m=3
